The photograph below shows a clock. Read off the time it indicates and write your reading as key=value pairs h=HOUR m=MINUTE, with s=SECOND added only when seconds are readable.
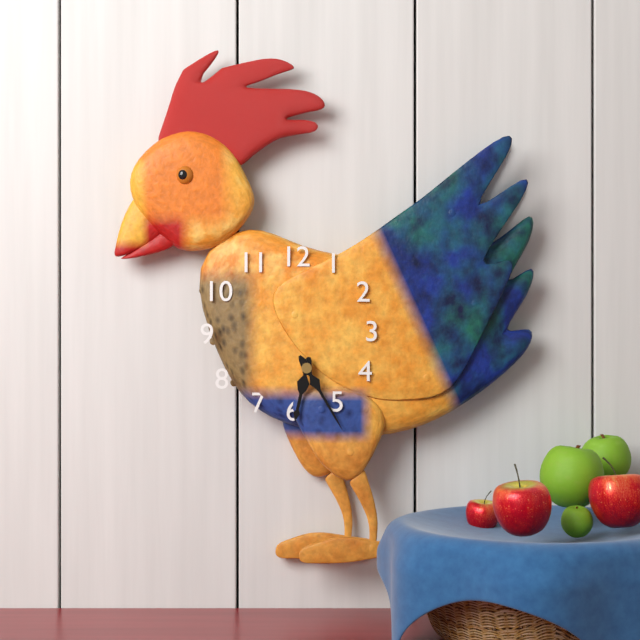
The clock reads h=6 m=25
